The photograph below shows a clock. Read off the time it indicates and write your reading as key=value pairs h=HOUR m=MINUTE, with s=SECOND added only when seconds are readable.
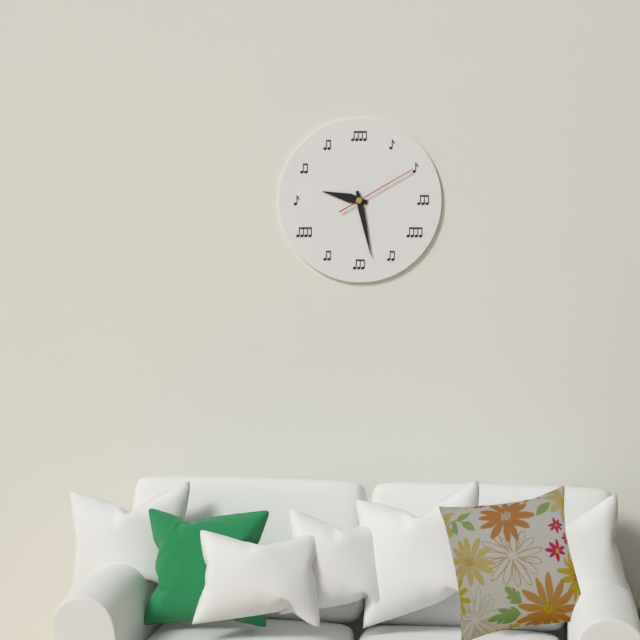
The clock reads h=9 m=28 s=10
